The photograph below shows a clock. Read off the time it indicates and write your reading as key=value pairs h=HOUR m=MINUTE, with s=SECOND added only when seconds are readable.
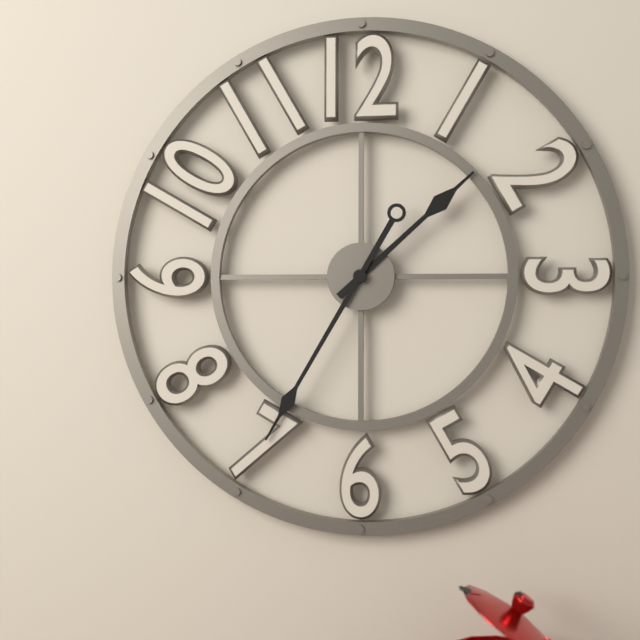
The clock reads h=1 m=35
